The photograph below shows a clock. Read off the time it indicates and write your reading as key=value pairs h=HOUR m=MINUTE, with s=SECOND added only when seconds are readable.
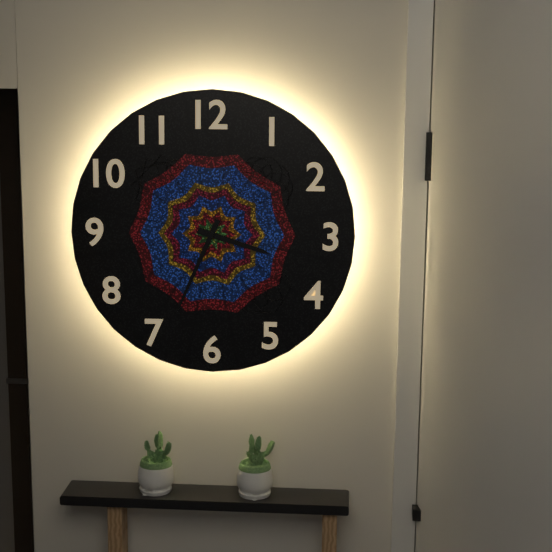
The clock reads h=3 m=34
